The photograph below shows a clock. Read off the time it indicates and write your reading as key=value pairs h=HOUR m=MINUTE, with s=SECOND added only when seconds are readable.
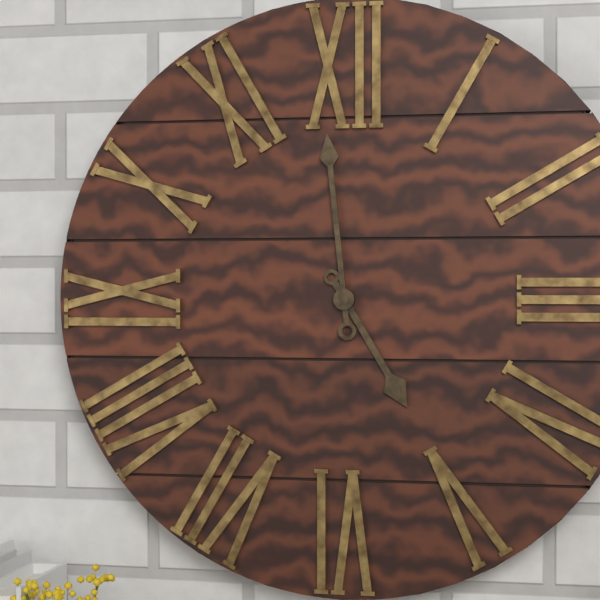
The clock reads h=4 m=59
